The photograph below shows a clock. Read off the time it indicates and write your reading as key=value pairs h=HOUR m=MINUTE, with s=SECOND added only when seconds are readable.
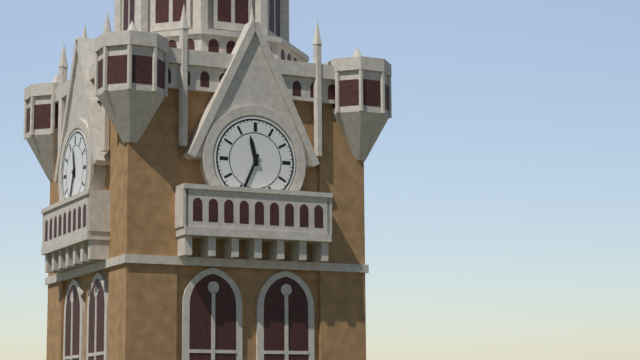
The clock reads h=11 m=34
